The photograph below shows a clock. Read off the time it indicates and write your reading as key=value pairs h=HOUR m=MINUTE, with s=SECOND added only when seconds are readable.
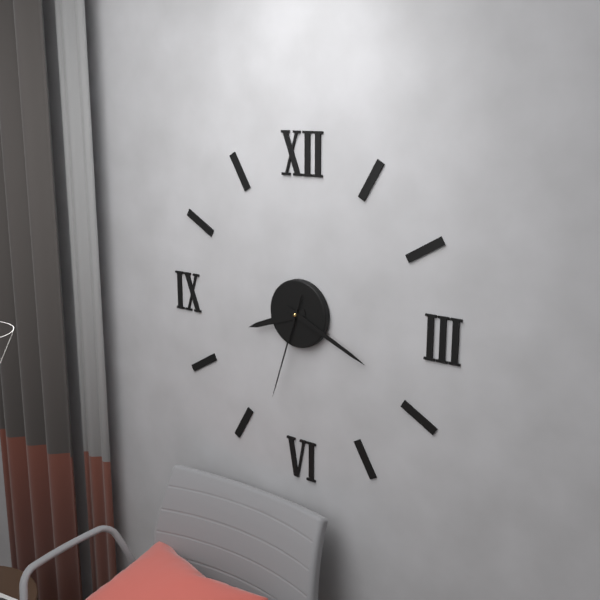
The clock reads h=8 m=19 s=33
